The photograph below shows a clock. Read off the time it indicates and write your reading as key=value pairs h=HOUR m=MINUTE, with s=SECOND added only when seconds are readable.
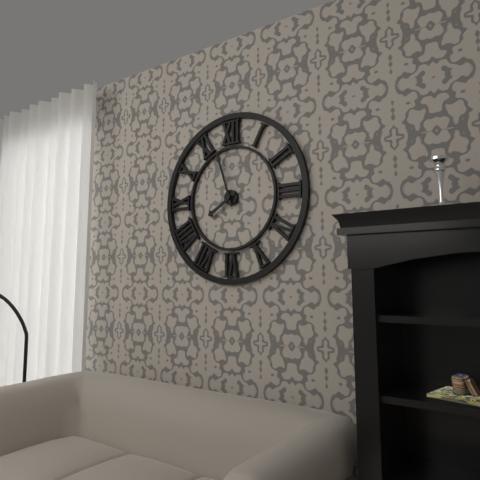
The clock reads h=7 m=57
